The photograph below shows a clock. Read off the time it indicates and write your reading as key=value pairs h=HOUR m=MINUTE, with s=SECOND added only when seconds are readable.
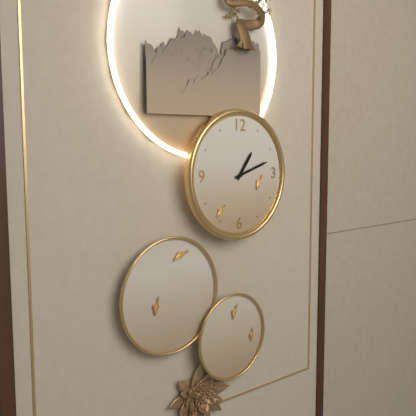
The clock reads h=1 m=12
